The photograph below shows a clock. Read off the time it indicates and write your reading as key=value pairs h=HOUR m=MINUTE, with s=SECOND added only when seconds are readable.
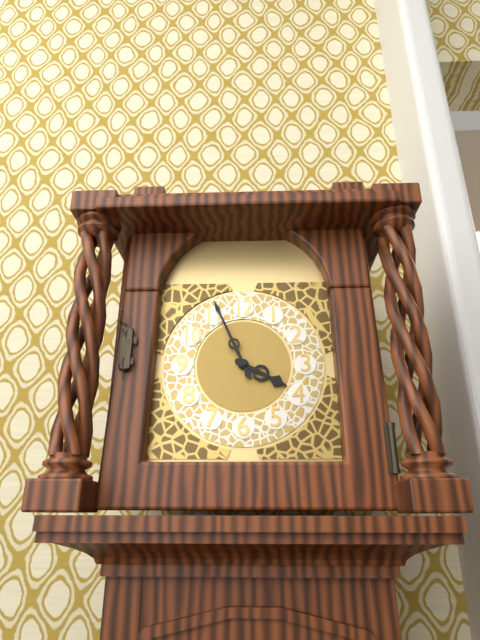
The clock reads h=3 m=56
